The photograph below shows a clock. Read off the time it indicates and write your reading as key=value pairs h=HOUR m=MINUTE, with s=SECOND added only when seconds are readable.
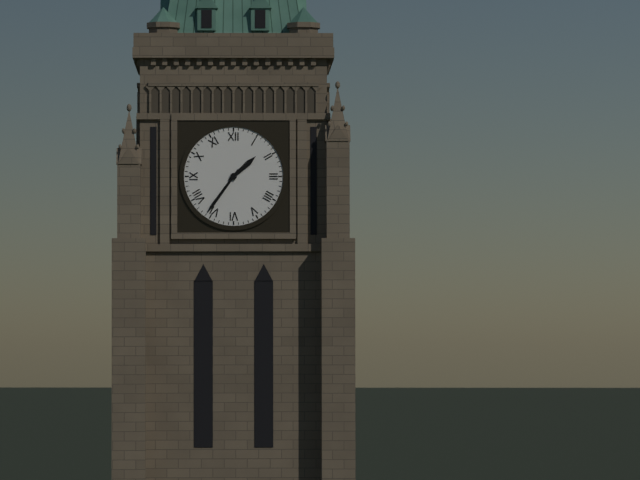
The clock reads h=1 m=36
